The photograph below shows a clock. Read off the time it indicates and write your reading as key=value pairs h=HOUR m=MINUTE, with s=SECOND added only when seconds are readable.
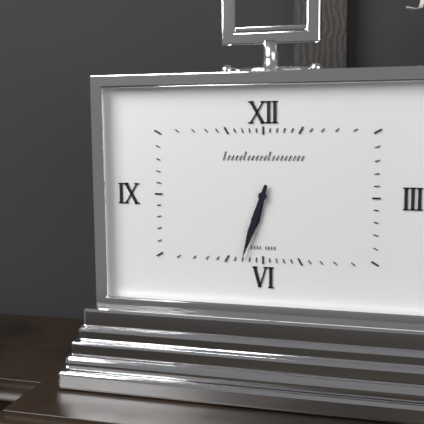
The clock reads h=6 m=33
